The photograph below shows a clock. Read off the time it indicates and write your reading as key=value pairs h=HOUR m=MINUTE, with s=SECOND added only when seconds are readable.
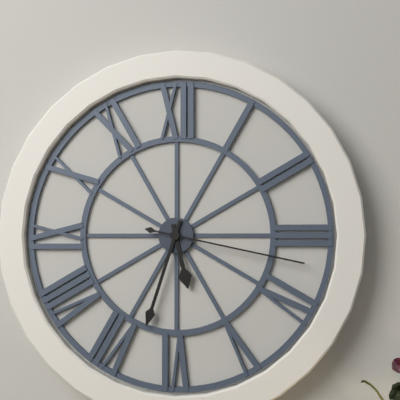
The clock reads h=5 m=33 s=17
